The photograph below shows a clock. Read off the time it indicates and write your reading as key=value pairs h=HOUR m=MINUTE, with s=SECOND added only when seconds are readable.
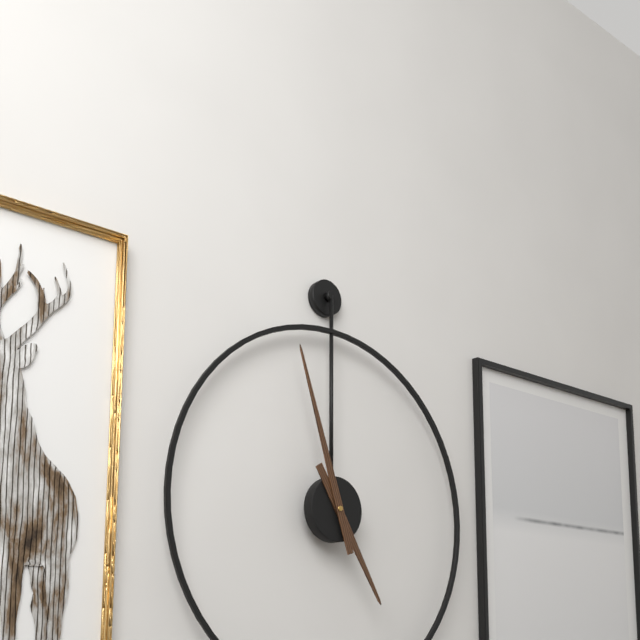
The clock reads h=4 m=57
